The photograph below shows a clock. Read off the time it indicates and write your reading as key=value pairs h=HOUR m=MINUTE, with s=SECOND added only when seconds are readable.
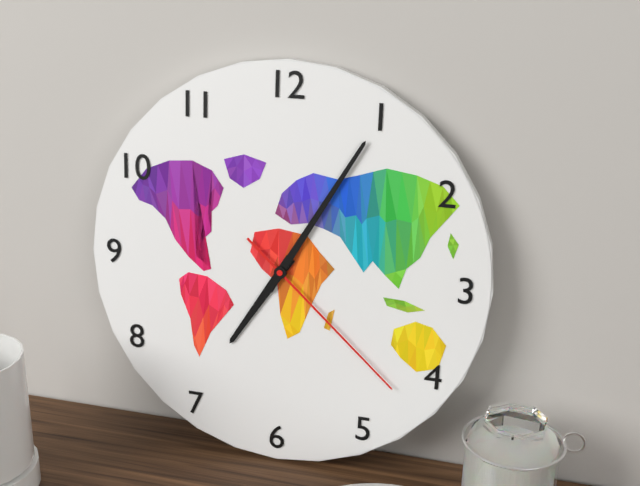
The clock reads h=7 m=5 s=22
